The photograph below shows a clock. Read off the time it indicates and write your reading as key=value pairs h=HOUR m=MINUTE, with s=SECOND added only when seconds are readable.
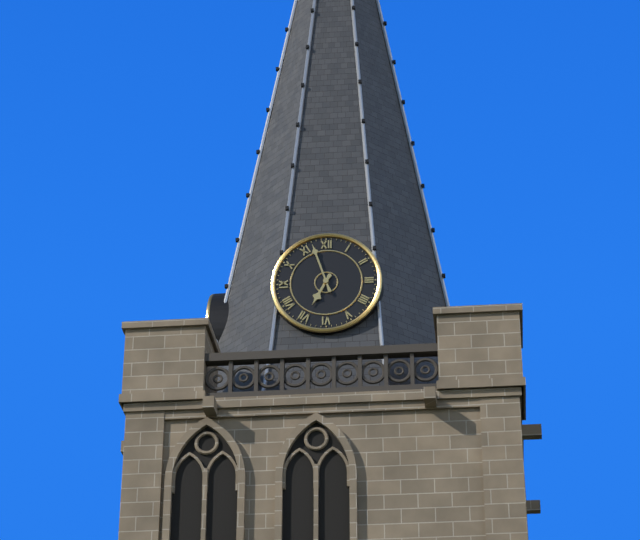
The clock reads h=6 m=57
